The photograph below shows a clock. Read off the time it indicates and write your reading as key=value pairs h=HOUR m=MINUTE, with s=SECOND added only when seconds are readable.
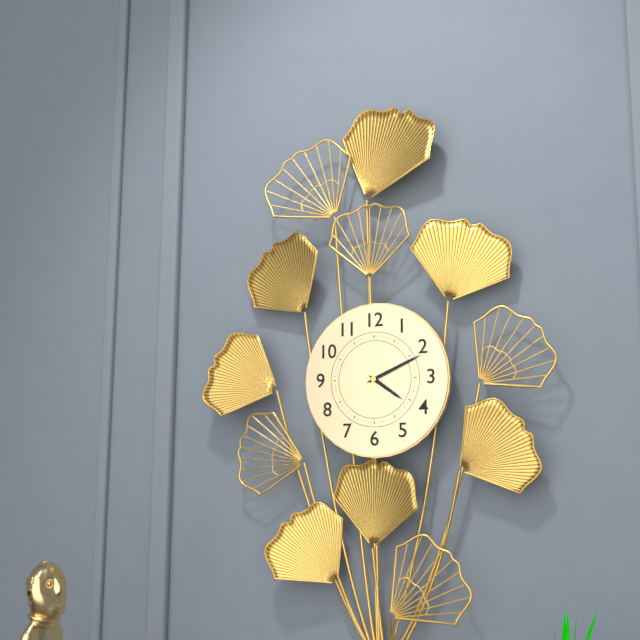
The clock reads h=4 m=11
